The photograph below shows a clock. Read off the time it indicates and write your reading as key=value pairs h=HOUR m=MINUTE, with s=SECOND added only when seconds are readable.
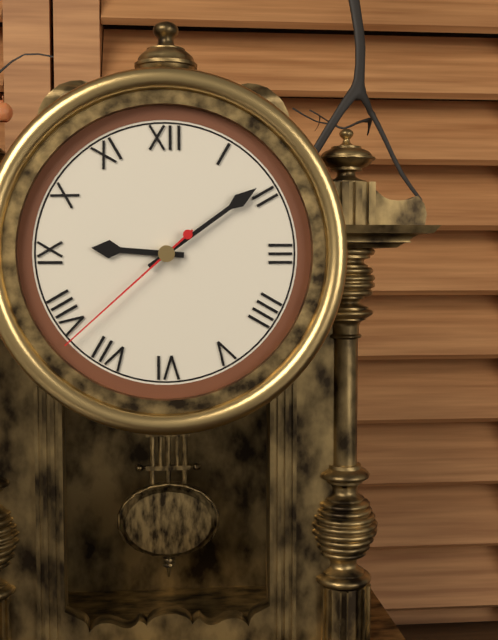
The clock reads h=9 m=9 s=38
